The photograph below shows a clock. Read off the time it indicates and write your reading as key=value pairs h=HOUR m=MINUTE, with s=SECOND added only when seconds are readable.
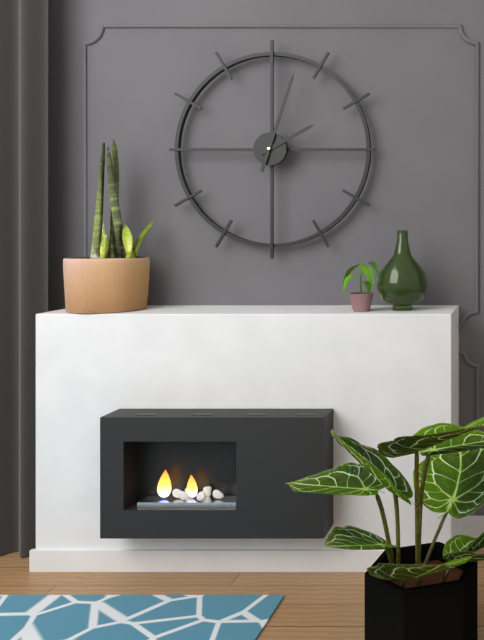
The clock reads h=2 m=3
